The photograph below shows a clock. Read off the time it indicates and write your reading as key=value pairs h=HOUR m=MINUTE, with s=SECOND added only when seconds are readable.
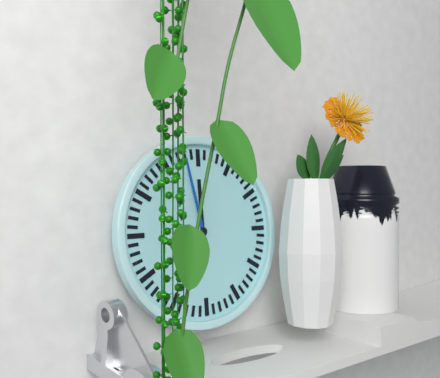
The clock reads h=11 m=58
